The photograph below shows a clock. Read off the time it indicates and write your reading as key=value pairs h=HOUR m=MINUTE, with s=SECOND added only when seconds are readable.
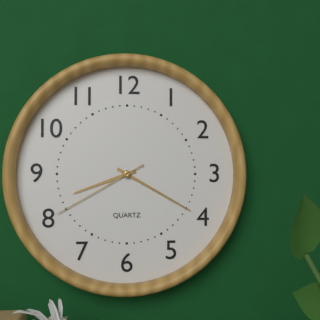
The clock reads h=8 m=20 s=40
